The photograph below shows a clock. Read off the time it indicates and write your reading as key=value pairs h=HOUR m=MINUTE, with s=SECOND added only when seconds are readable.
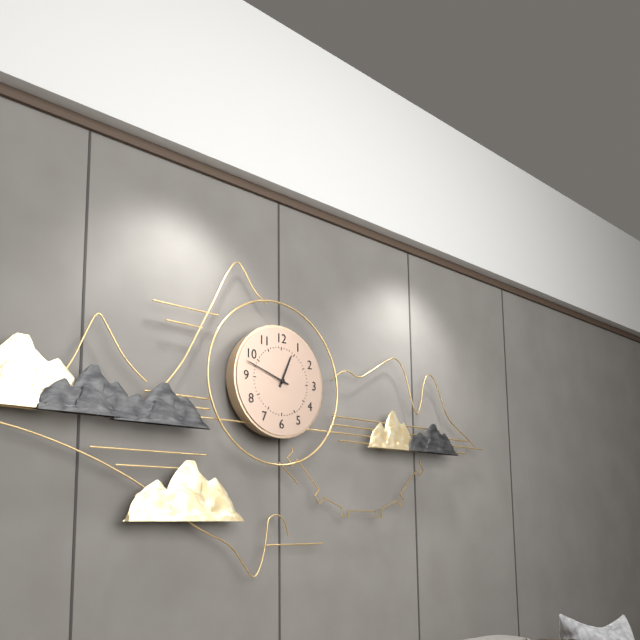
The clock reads h=12 m=48
